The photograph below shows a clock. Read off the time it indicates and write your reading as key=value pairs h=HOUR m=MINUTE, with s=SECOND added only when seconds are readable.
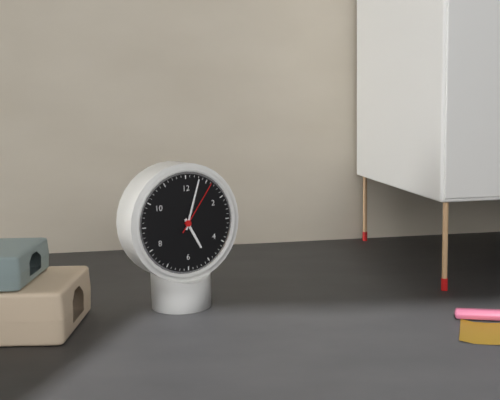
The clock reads h=5 m=3 s=6
